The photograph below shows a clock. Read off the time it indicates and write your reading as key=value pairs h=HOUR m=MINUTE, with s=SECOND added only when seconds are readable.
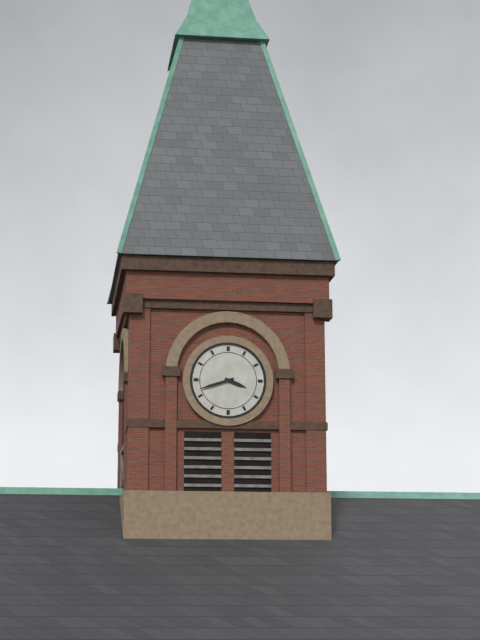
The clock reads h=3 m=42
